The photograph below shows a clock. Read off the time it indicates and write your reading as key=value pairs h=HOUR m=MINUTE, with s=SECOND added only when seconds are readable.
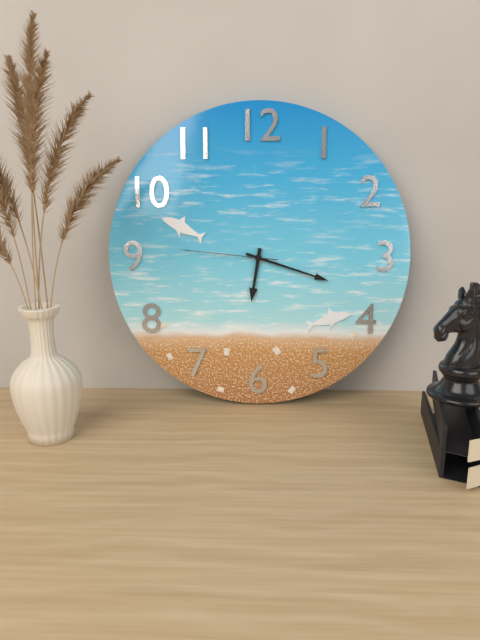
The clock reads h=6 m=18 s=46
